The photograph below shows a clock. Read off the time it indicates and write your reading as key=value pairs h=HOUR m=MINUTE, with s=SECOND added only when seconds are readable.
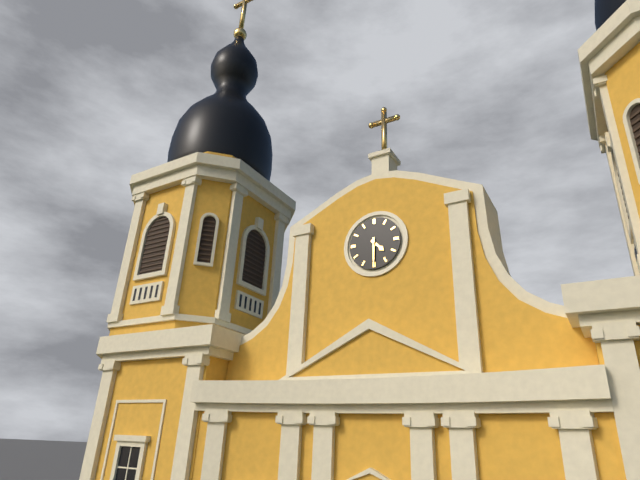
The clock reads h=4 m=30
